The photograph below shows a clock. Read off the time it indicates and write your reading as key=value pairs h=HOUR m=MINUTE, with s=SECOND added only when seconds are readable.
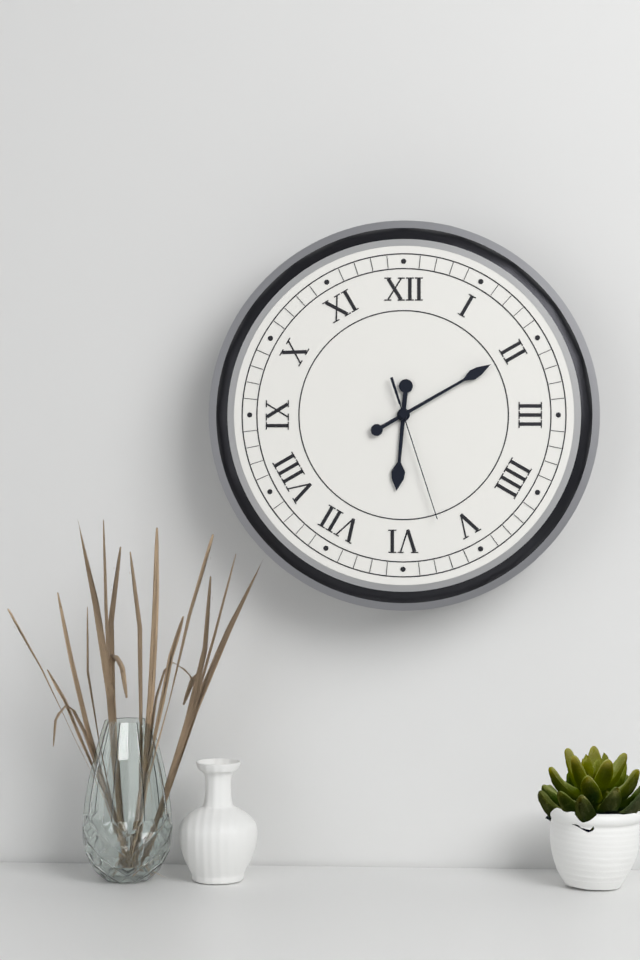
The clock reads h=6 m=10 s=27
